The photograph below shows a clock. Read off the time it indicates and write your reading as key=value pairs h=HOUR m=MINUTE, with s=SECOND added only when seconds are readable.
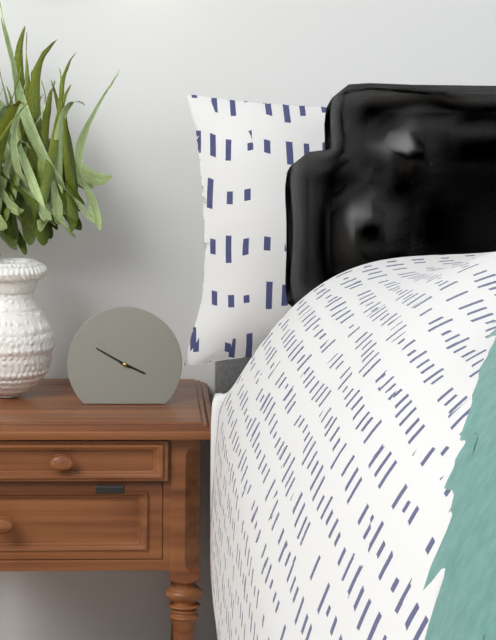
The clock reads h=3 m=50
